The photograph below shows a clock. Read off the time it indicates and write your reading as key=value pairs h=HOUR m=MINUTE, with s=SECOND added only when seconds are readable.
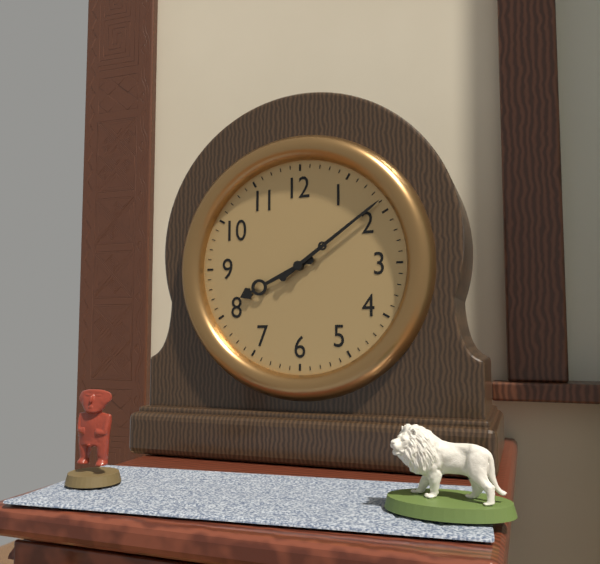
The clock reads h=8 m=9
